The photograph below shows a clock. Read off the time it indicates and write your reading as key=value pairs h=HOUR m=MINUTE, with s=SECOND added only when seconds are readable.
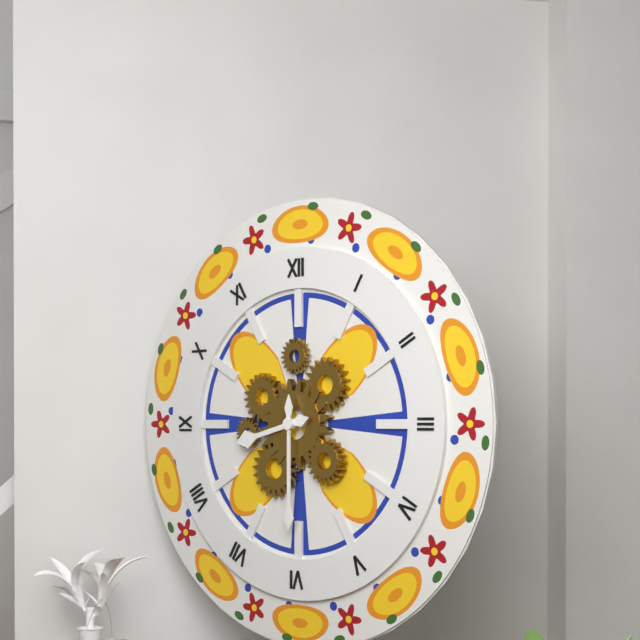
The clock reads h=8 m=30
